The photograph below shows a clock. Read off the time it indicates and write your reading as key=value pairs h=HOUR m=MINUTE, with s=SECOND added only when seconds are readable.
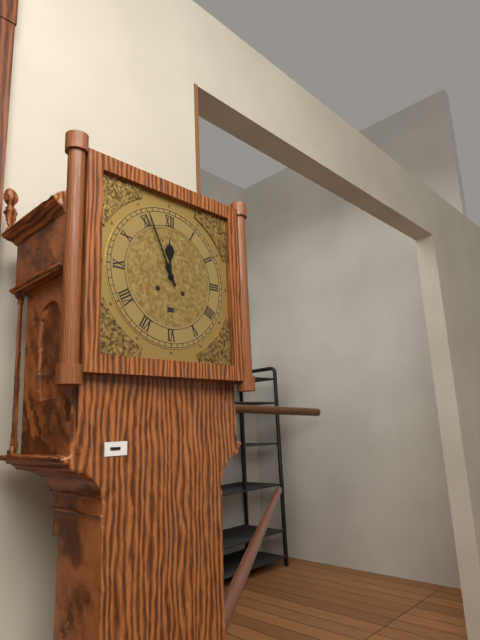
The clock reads h=11 m=56
